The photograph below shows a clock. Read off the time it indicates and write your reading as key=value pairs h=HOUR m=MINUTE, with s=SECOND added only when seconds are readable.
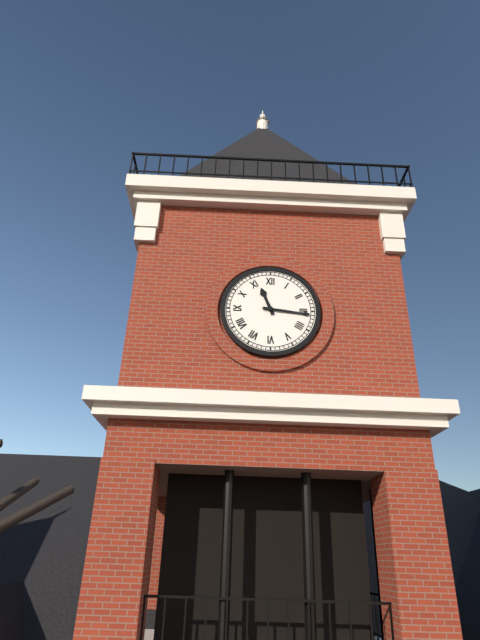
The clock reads h=11 m=16
